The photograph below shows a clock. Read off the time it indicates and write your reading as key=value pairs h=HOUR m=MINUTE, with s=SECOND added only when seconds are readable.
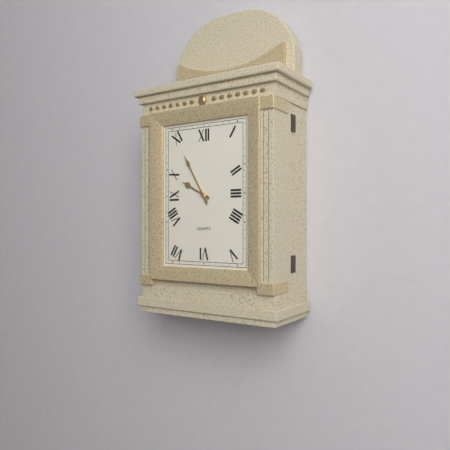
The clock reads h=9 m=55
